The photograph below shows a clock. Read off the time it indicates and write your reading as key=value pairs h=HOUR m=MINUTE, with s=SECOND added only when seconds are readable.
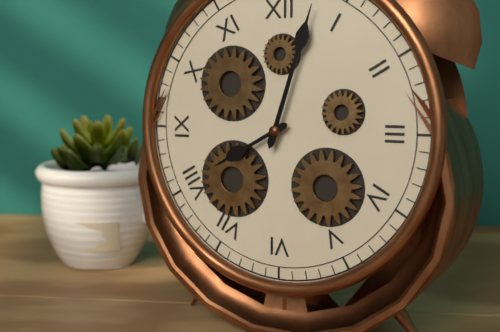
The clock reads h=8 m=3
